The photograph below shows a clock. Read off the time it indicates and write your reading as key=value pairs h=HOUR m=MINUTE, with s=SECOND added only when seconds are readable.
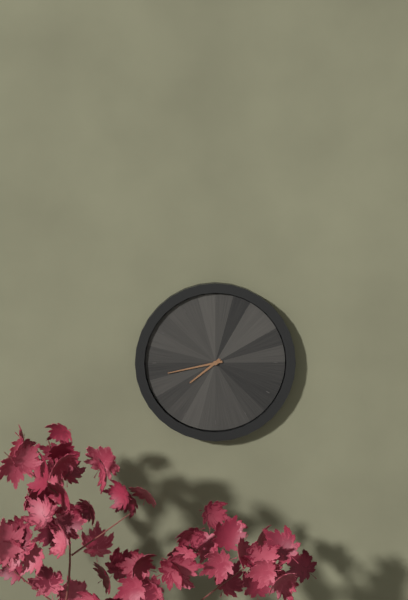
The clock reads h=7 m=43
